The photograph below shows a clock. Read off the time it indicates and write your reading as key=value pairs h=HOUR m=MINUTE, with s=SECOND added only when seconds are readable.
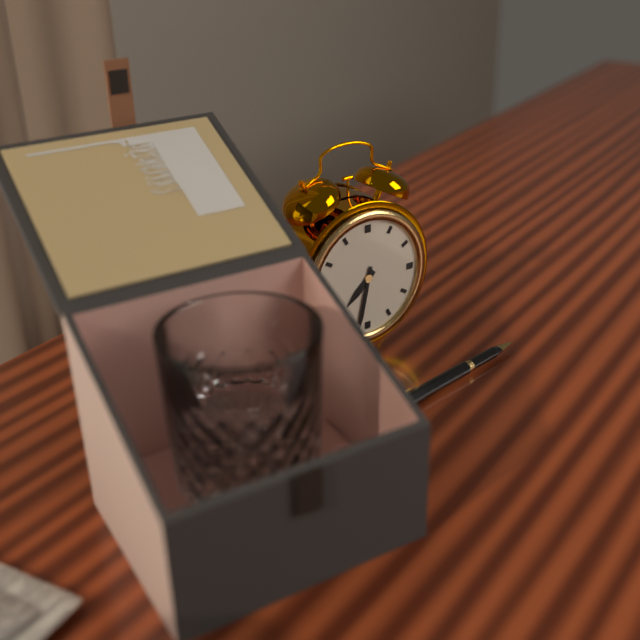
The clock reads h=7 m=32
